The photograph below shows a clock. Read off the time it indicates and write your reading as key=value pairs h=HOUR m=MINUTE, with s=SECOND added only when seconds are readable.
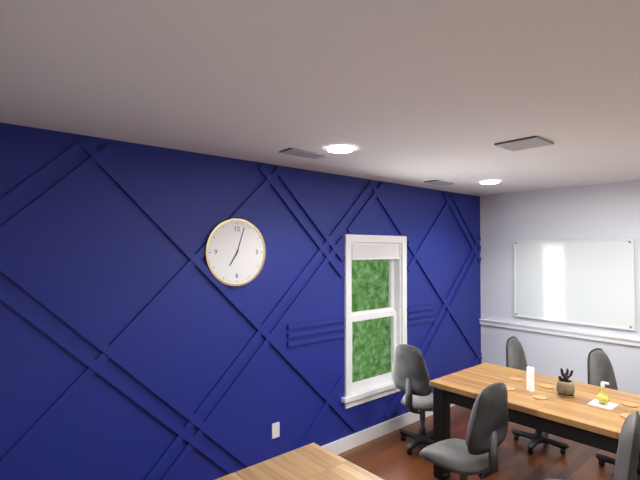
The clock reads h=7 m=3
